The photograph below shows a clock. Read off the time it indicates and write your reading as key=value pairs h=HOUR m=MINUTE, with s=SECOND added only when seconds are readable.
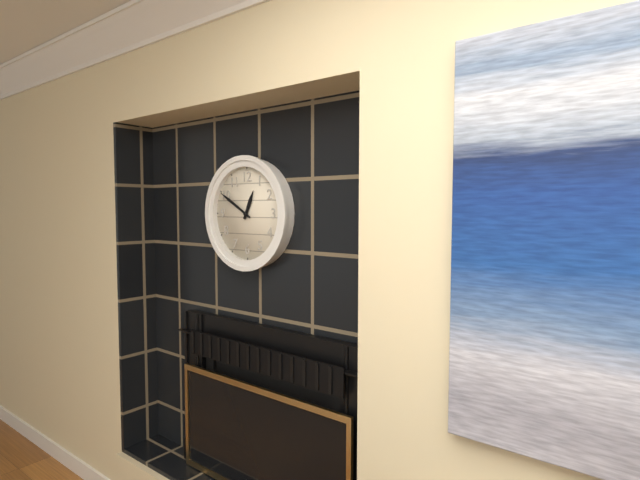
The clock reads h=12 m=50
